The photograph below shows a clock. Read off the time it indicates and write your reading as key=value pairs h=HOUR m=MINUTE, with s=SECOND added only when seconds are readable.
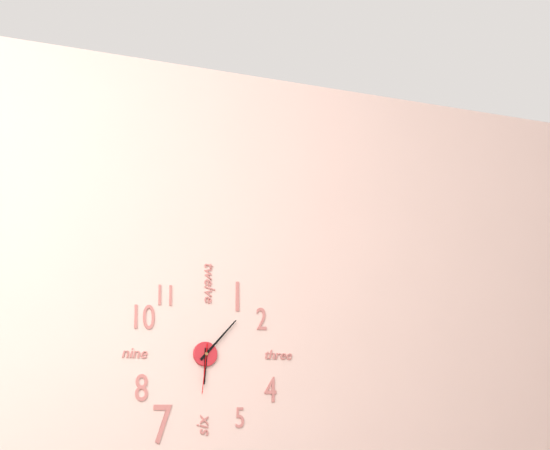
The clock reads h=6 m=7 s=31
